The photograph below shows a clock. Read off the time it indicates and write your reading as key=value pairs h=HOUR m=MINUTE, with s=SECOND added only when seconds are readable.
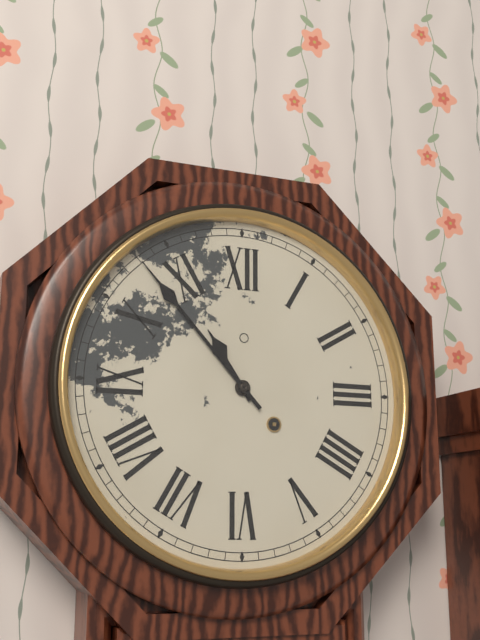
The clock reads h=10 m=53
